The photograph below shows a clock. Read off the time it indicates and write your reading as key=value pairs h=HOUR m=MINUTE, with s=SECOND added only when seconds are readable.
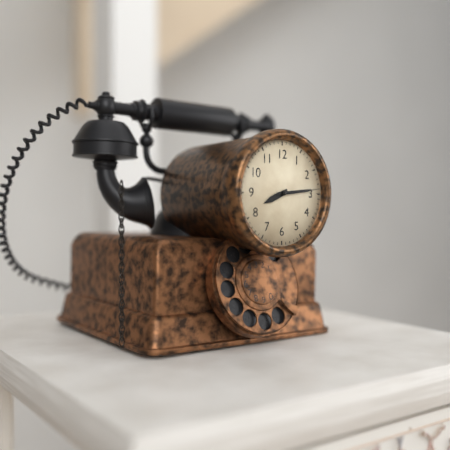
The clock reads h=8 m=14
